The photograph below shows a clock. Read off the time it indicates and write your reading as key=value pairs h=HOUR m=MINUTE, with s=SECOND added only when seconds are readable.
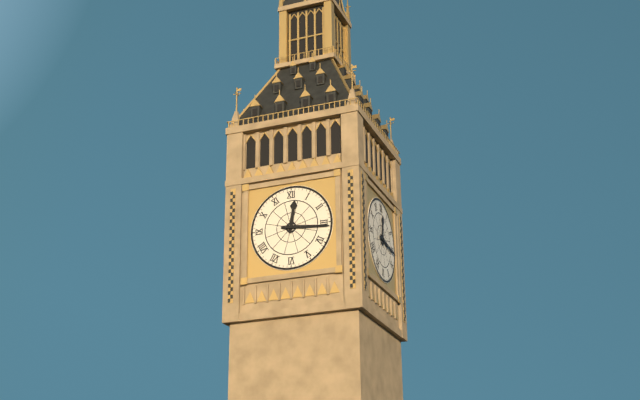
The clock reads h=12 m=16
